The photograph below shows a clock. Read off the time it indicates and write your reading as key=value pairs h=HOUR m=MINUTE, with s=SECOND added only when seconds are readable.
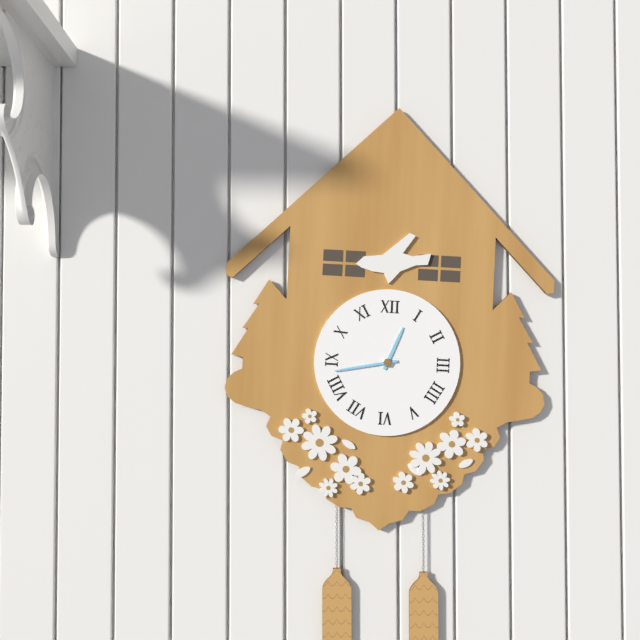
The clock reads h=12 m=43
